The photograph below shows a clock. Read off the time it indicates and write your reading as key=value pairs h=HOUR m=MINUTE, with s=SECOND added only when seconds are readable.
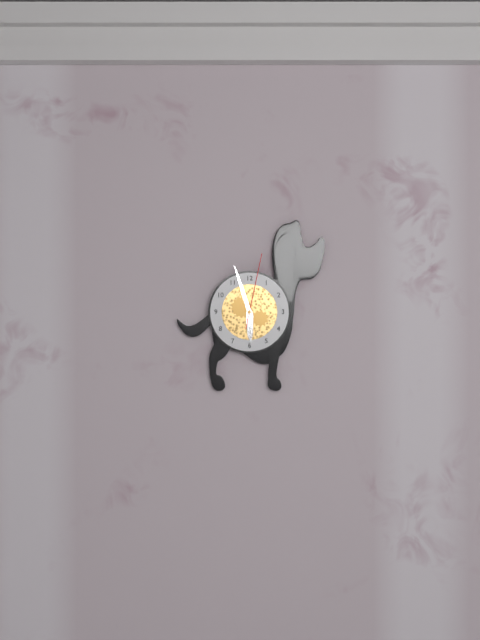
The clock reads h=5 m=57 s=2
